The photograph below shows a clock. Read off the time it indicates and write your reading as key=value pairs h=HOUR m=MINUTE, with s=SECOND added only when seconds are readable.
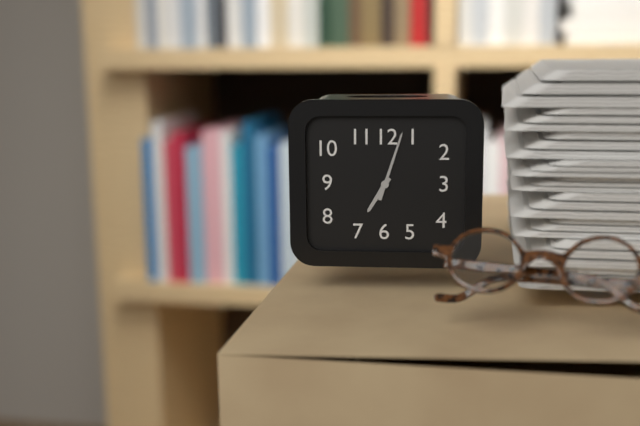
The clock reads h=7 m=3
